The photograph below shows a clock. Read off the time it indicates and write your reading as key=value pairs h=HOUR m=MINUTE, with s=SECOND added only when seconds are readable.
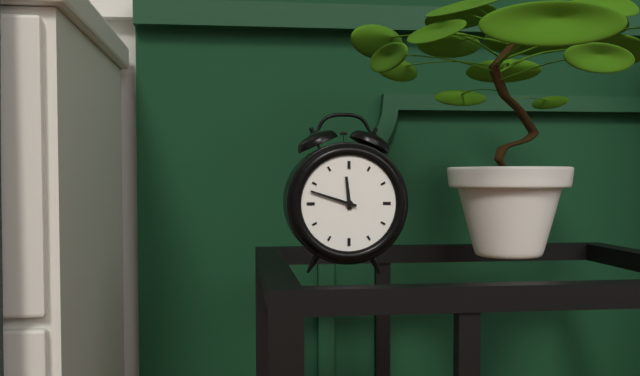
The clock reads h=11 m=48
